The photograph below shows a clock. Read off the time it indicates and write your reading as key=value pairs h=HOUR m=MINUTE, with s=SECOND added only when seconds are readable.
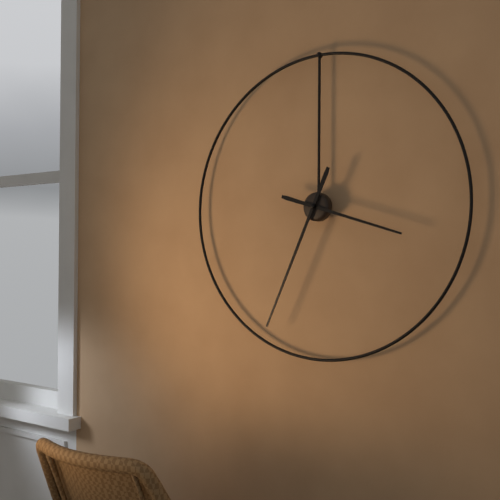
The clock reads h=3 m=34
